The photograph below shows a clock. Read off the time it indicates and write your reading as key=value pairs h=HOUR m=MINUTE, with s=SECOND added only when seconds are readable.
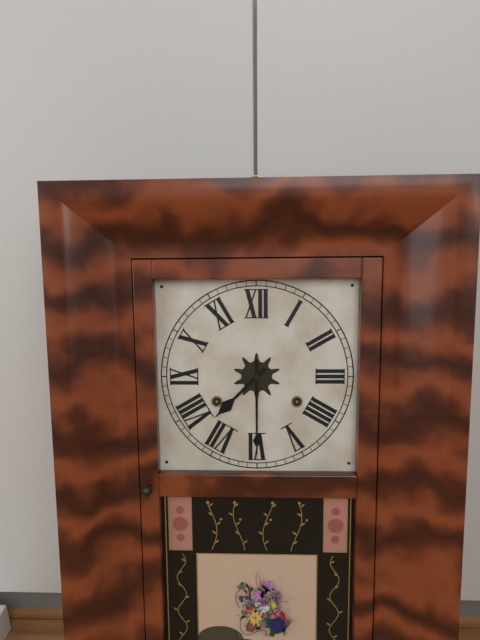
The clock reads h=7 m=30
